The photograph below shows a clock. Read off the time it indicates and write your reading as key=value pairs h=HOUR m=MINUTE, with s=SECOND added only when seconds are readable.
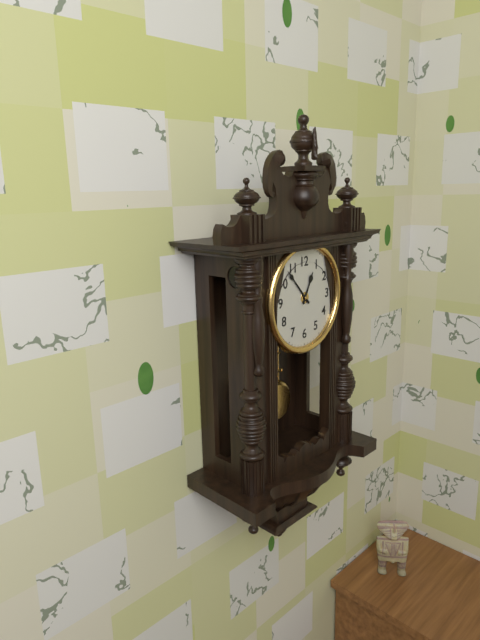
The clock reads h=12 m=53
